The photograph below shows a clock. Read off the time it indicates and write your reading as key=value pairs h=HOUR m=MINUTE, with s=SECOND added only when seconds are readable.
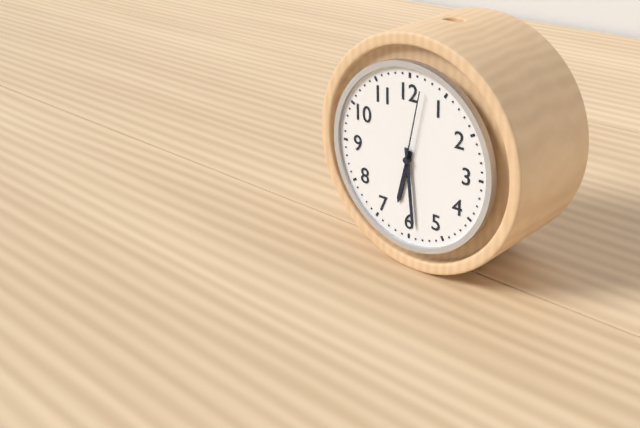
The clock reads h=6 m=29 s=2
